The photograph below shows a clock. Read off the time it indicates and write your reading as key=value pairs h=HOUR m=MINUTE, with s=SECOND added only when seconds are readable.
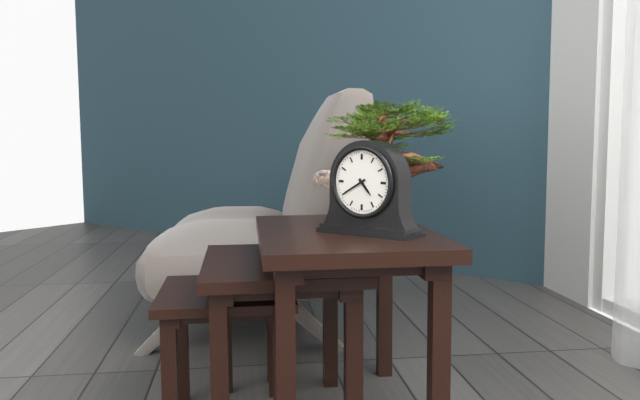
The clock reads h=4 m=40
